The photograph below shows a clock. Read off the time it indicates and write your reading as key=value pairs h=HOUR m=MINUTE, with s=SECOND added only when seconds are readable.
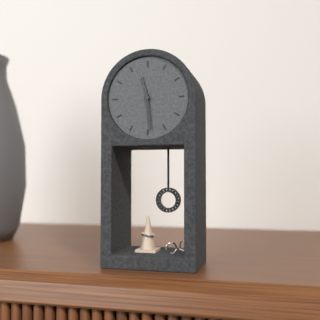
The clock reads h=11 m=29
